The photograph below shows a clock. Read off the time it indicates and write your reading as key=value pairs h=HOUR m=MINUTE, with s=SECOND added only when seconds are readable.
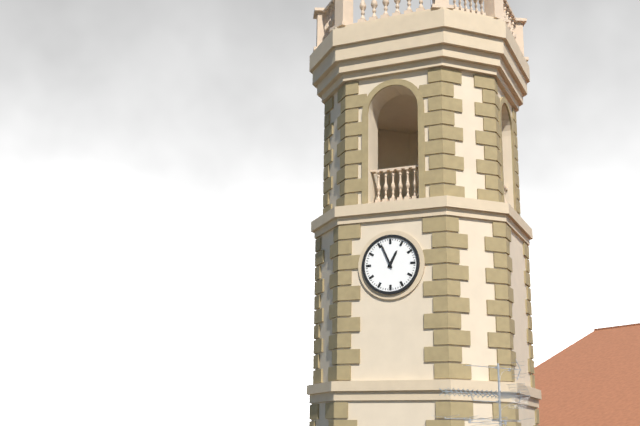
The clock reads h=12 m=56
